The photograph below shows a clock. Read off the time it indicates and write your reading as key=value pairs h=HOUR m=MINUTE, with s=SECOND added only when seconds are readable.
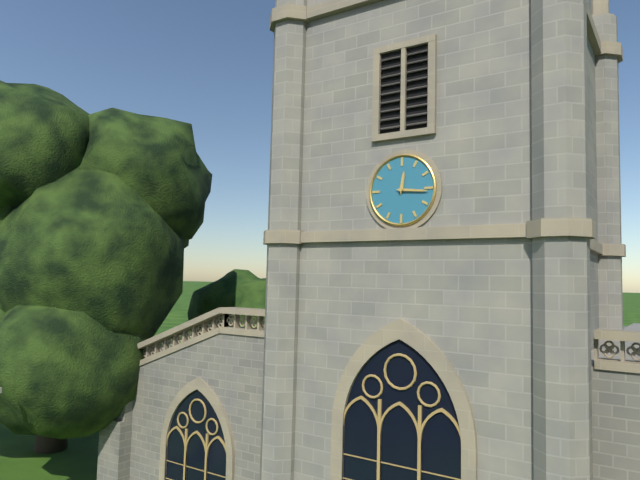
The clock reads h=12 m=16
